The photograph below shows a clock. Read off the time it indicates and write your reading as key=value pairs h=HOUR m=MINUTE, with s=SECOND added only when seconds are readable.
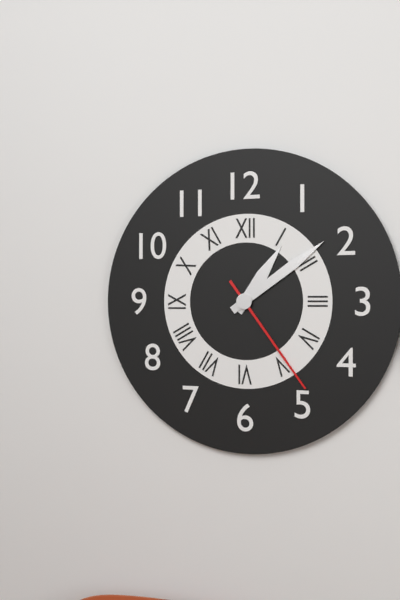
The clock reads h=1 m=9 s=24
